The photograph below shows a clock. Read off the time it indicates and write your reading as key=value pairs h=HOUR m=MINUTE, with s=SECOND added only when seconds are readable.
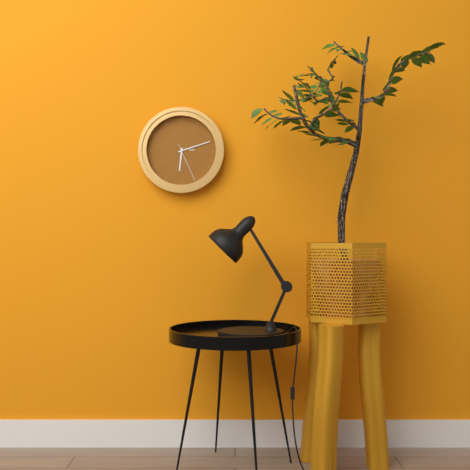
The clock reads h=6 m=12
